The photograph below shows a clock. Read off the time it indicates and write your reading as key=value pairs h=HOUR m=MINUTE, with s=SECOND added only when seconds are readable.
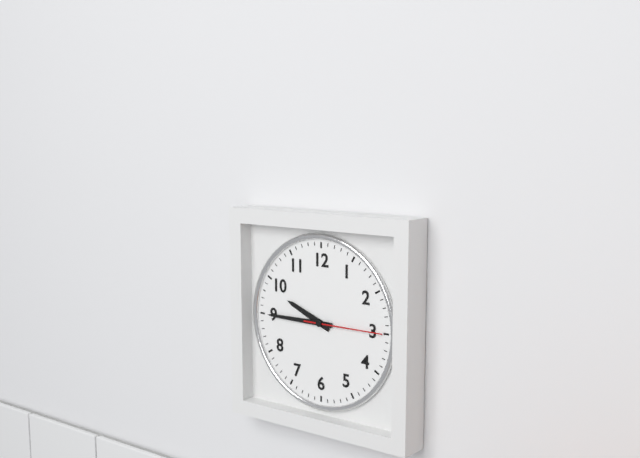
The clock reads h=9 m=45 s=15
